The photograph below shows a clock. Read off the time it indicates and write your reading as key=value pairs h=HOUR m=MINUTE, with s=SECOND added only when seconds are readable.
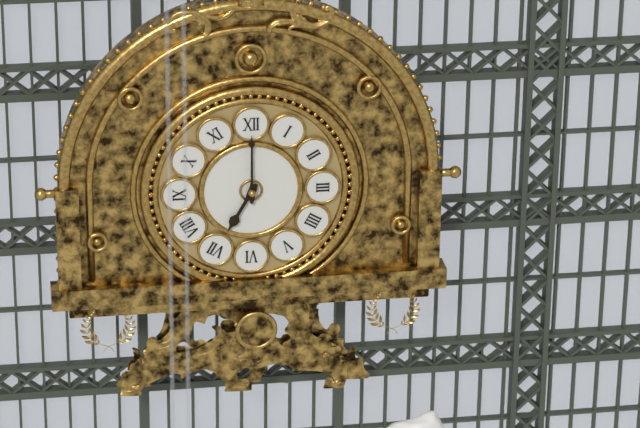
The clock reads h=7 m=0
